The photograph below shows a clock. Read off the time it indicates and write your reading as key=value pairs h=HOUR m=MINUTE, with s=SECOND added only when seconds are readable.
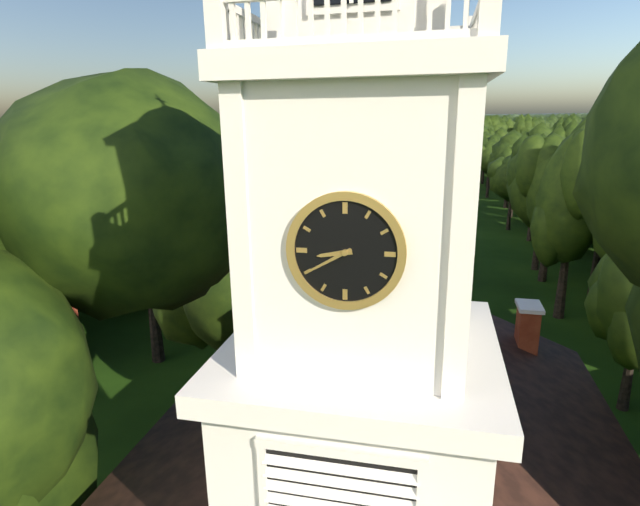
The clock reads h=8 m=40
